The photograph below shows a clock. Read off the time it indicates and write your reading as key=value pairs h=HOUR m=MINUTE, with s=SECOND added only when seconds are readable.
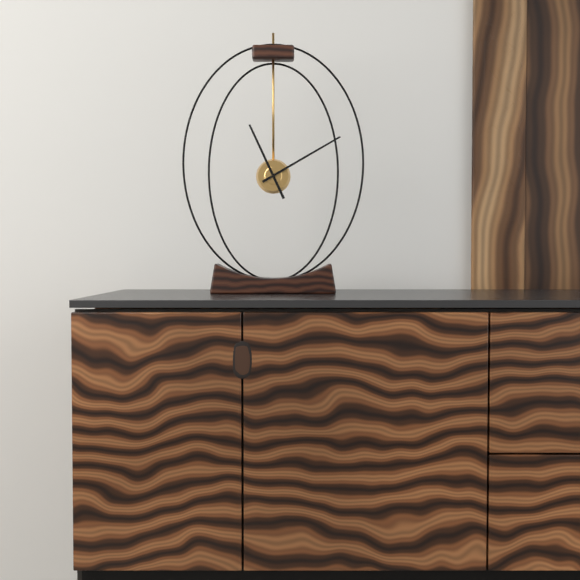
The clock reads h=11 m=10
